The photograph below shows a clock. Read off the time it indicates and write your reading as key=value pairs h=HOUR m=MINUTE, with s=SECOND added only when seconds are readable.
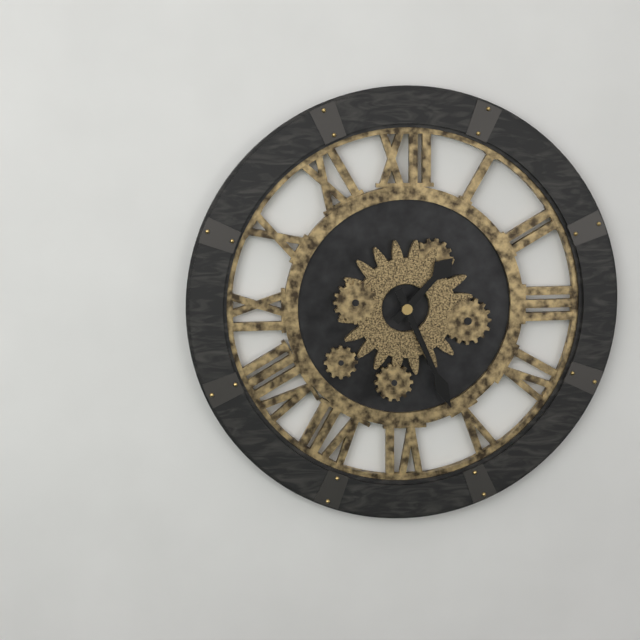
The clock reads h=1 m=26
